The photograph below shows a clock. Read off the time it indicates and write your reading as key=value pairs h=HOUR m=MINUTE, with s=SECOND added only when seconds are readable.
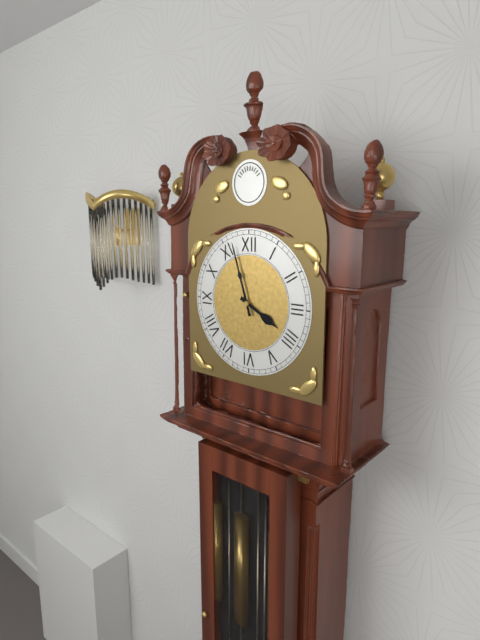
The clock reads h=3 m=57
